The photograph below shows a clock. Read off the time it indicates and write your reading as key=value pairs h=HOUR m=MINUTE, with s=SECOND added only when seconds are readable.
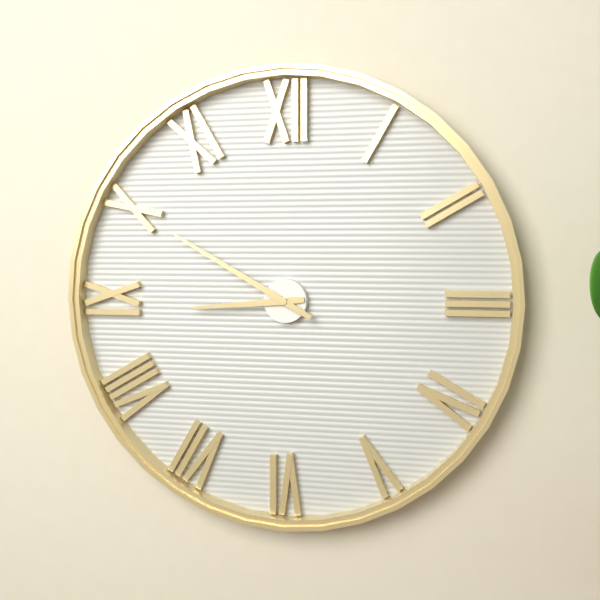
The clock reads h=8 m=50
